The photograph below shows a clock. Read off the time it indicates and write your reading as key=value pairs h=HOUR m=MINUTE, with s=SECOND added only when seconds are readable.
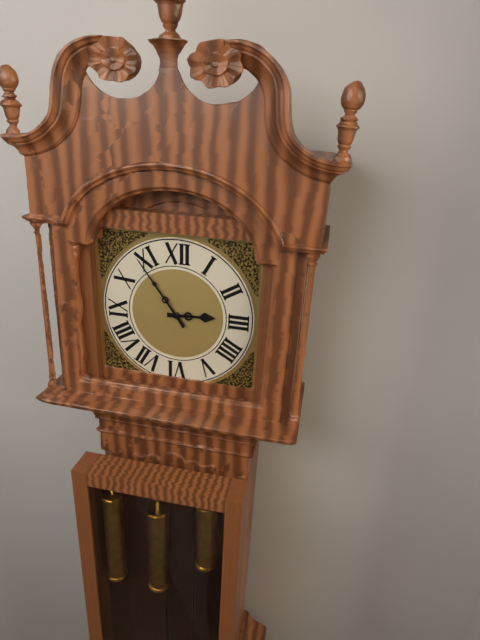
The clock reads h=2 m=54
